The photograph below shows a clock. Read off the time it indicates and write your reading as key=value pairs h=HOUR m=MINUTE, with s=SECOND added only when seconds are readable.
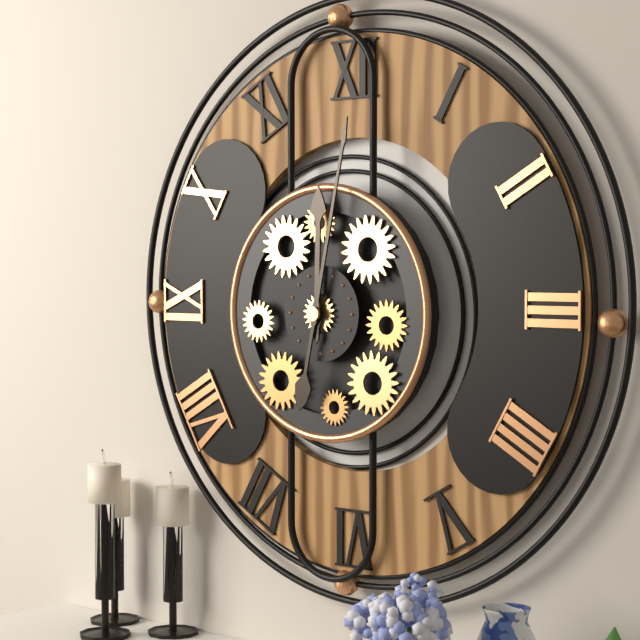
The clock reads h=12 m=2
